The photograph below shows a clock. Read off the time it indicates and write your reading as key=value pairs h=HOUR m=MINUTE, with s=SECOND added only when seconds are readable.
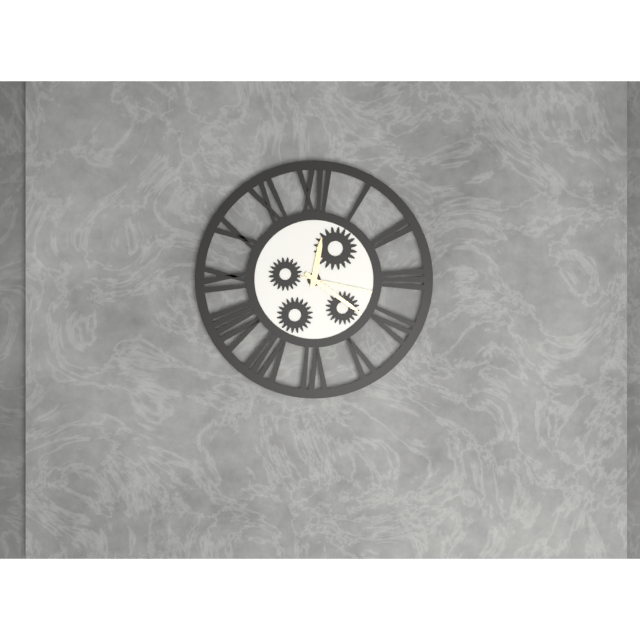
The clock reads h=12 m=21 s=17
